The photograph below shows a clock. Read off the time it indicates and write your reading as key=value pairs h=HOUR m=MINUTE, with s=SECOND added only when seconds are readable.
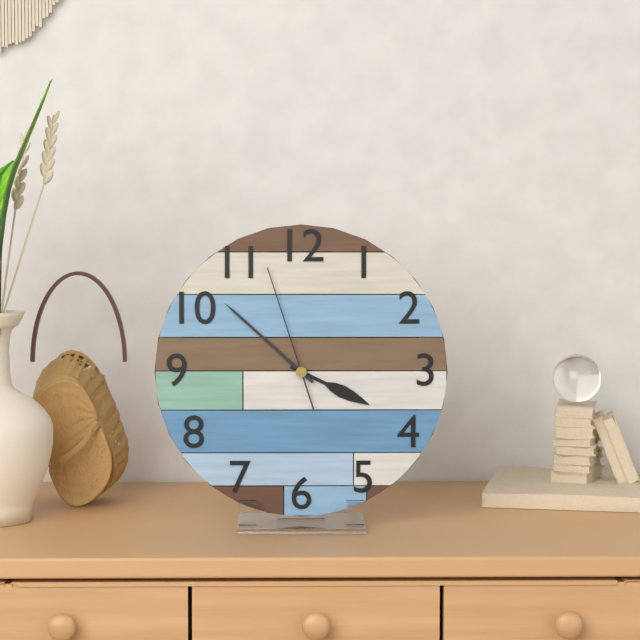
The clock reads h=3 m=52 s=57
